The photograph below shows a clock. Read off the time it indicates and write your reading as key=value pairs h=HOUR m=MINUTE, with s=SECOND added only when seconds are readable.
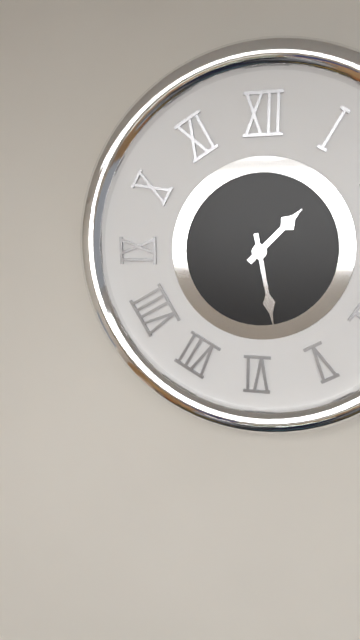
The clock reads h=1 m=28
